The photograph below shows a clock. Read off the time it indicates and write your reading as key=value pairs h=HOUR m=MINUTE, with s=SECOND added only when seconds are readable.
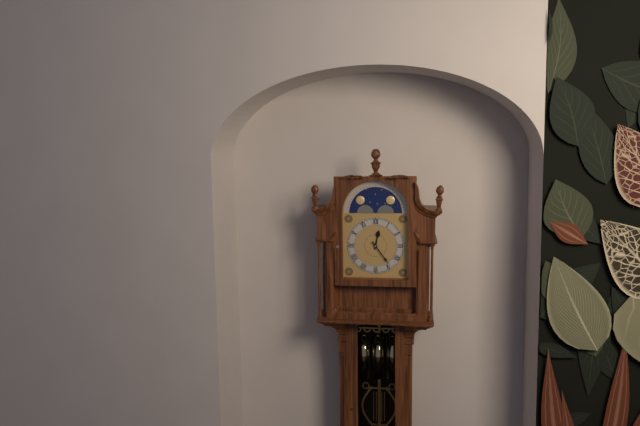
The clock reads h=12 m=24
